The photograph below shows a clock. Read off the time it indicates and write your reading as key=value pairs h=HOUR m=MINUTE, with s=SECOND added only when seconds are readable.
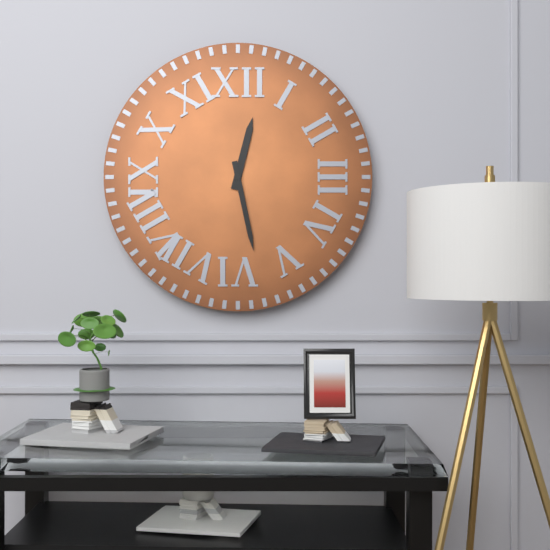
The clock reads h=12 m=28
